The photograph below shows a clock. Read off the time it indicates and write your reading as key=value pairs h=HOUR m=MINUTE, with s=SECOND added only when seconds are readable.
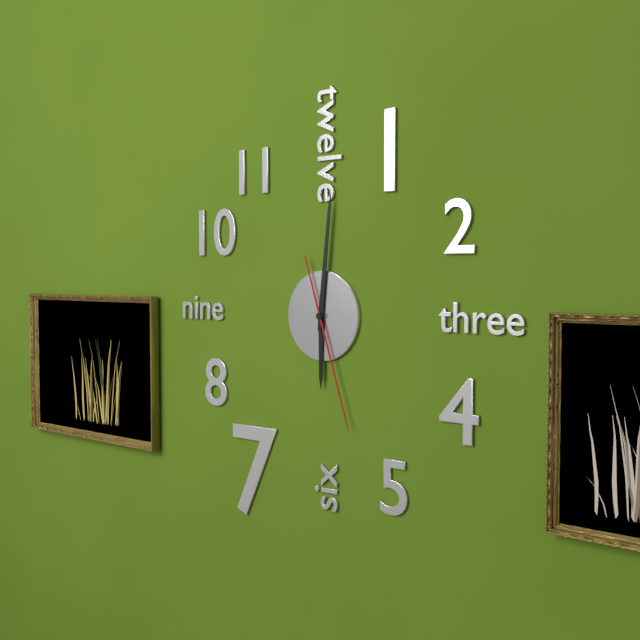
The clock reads h=6 m=1 s=27
